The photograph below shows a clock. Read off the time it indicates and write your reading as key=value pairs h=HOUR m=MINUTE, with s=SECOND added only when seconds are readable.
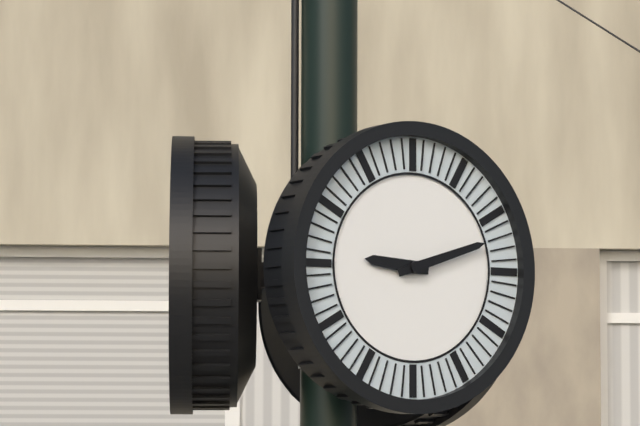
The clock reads h=9 m=12
